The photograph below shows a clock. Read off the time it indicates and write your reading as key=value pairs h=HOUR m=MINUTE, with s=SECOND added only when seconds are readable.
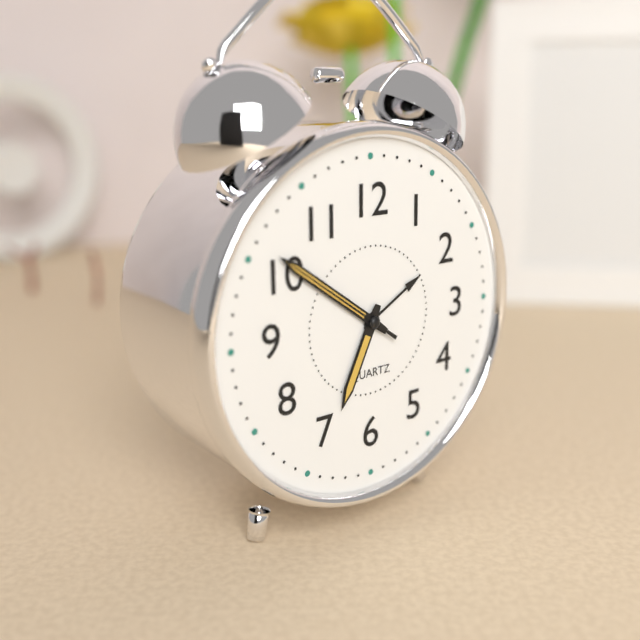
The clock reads h=6 m=51 s=51
